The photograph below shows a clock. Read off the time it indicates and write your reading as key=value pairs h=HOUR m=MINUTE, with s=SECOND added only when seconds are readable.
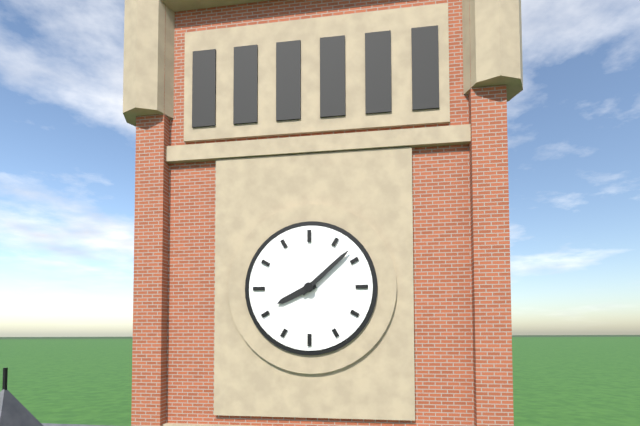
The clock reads h=8 m=8
